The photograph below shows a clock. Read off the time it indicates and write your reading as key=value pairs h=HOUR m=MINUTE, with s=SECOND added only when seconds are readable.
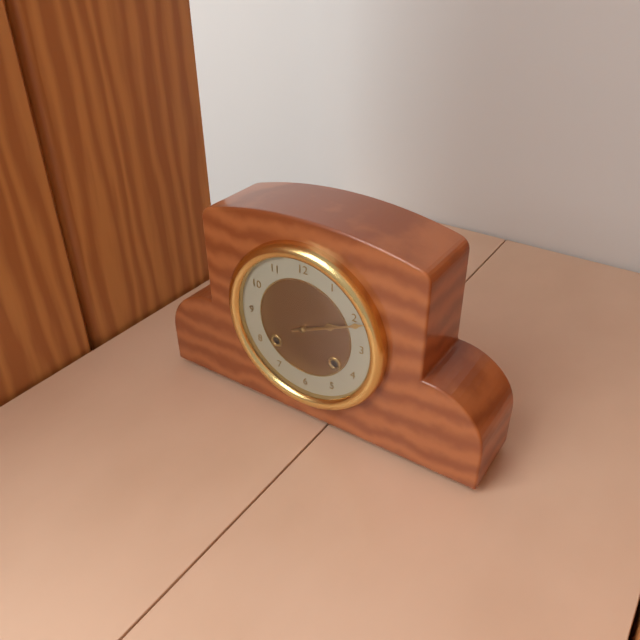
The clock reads h=2 m=11
